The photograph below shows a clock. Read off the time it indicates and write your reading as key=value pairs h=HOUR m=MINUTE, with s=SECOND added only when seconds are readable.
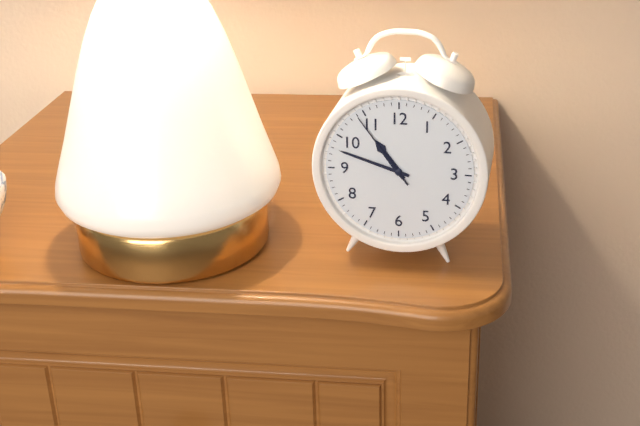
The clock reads h=10 m=48 s=54
